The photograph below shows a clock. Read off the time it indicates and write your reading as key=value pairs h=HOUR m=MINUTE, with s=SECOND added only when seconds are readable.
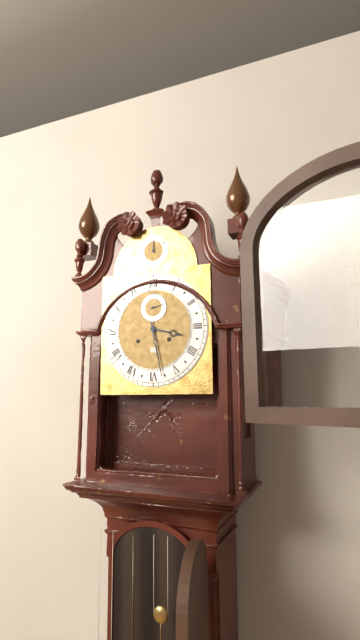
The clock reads h=3 m=28
